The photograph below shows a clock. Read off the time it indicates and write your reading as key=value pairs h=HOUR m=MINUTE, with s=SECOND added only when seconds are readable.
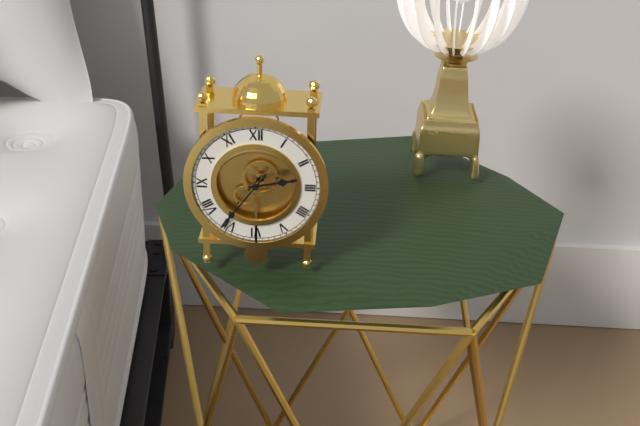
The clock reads h=2 m=36
